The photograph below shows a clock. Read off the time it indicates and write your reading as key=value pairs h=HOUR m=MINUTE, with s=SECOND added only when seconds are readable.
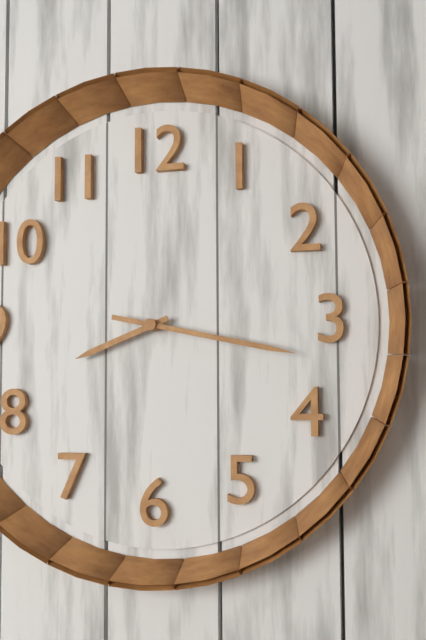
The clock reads h=8 m=17
